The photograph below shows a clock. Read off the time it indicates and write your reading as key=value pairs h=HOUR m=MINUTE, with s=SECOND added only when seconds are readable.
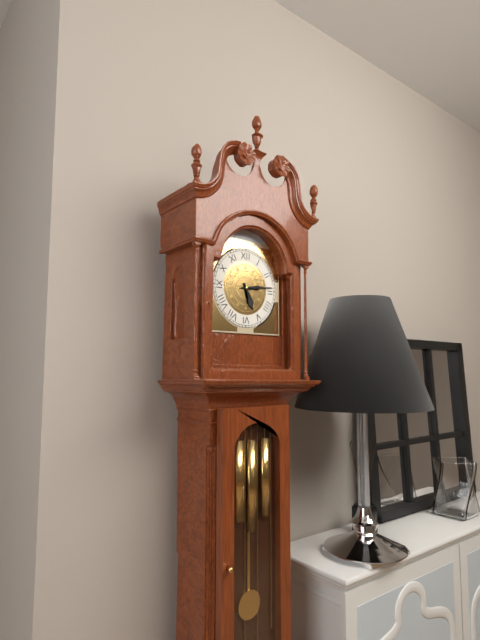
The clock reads h=5 m=14
